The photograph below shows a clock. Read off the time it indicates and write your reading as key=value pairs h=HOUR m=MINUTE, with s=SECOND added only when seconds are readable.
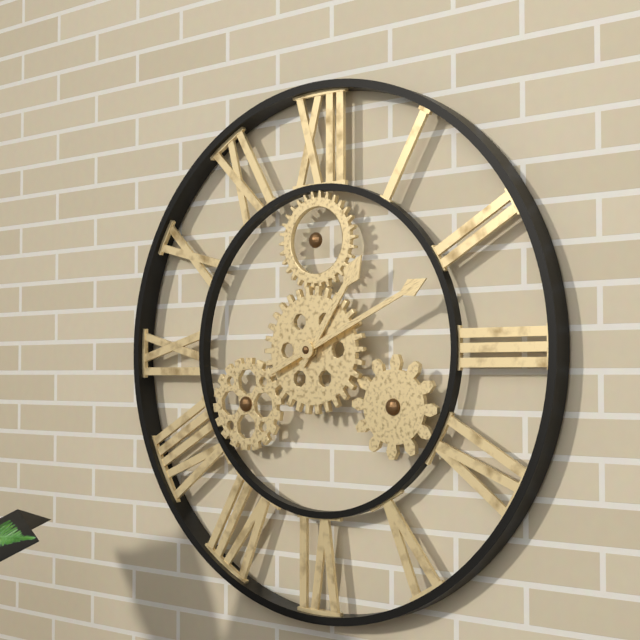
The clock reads h=1 m=11
